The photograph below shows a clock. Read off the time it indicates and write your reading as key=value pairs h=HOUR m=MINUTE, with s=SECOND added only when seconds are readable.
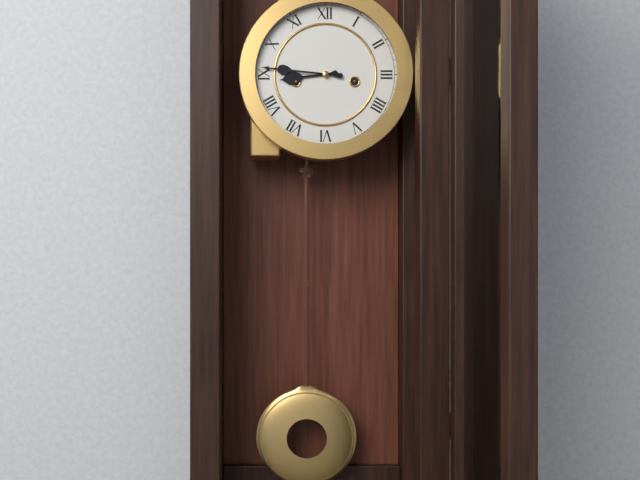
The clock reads h=8 m=46
